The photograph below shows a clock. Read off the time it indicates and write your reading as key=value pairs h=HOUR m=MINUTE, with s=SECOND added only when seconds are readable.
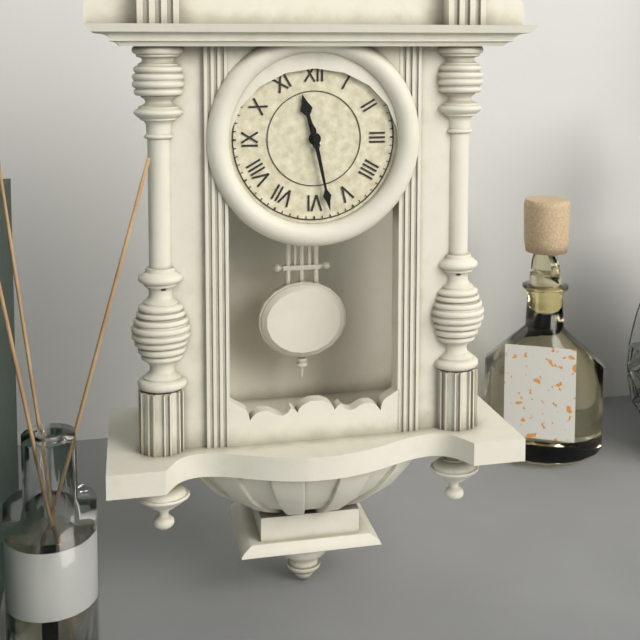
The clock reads h=11 m=28
